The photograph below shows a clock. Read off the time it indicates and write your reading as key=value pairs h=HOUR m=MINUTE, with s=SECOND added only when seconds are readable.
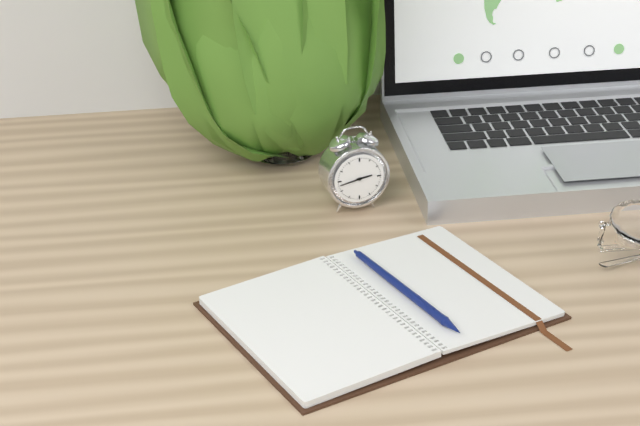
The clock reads h=2 m=43
